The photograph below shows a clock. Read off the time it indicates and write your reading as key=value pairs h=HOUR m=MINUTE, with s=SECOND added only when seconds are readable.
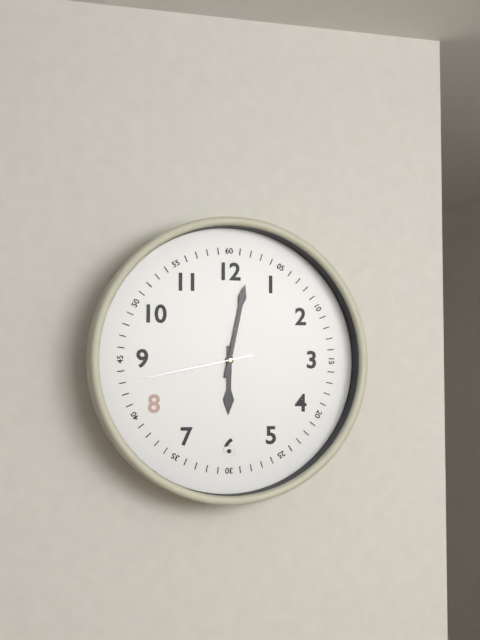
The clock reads h=6 m=2 s=43
